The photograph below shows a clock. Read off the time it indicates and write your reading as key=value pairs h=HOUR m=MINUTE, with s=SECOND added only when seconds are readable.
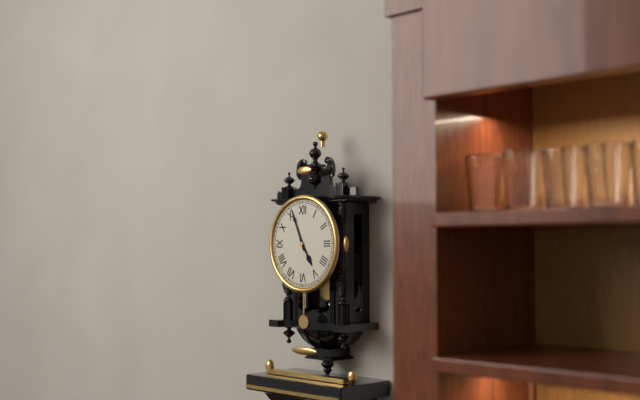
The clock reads h=4 m=56
